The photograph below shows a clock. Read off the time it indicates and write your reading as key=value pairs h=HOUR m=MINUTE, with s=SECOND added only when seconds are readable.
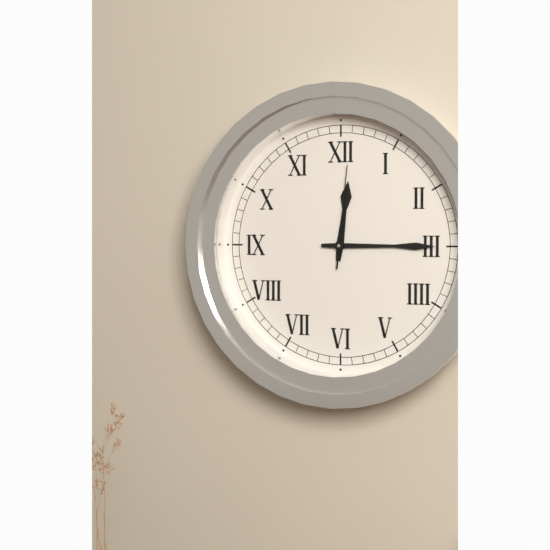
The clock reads h=12 m=15 s=1
